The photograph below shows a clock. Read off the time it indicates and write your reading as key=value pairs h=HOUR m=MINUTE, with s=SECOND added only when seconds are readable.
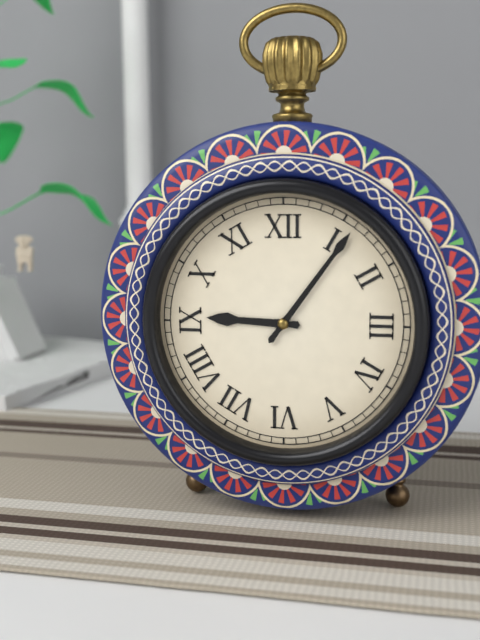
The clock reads h=9 m=6
